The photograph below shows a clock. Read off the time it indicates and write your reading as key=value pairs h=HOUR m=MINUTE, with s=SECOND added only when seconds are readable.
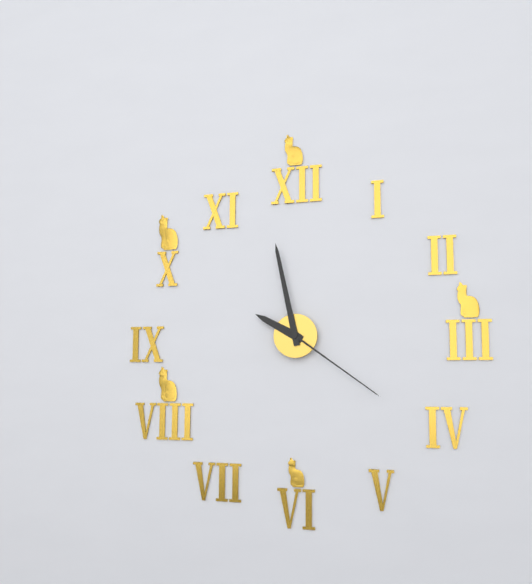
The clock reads h=9 m=58 s=21
